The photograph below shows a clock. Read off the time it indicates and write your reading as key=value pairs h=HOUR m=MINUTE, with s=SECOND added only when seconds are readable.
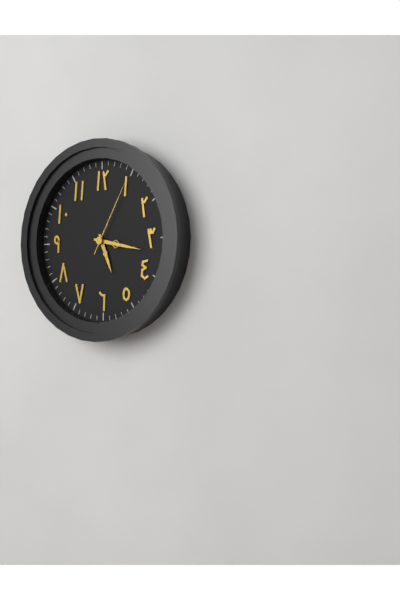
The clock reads h=5 m=17 s=5
